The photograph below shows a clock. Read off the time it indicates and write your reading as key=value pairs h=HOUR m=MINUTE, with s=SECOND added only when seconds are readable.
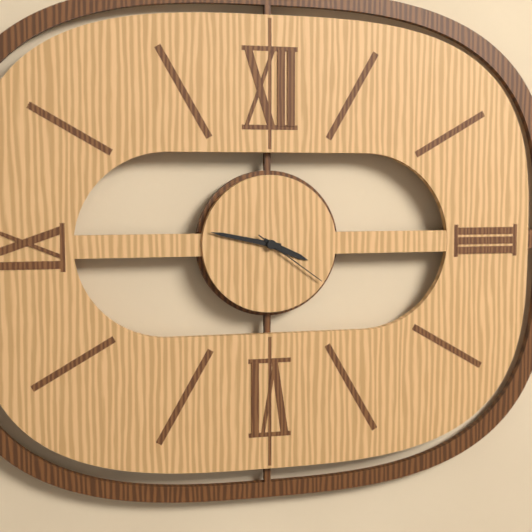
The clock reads h=3 m=47 s=21
